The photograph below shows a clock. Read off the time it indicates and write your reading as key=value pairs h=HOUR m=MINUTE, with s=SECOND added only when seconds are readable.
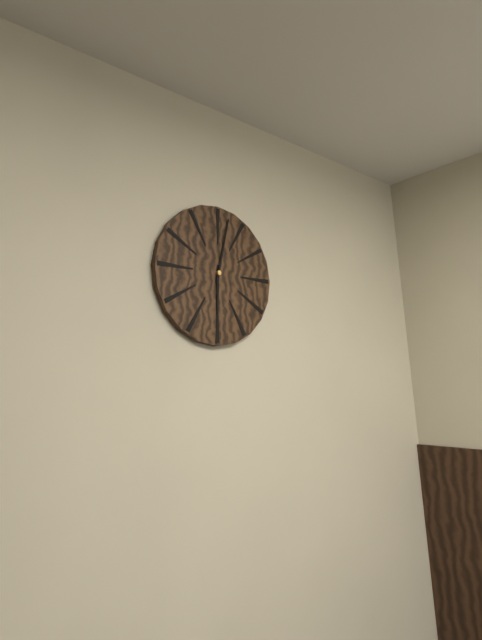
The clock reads h=6 m=2
